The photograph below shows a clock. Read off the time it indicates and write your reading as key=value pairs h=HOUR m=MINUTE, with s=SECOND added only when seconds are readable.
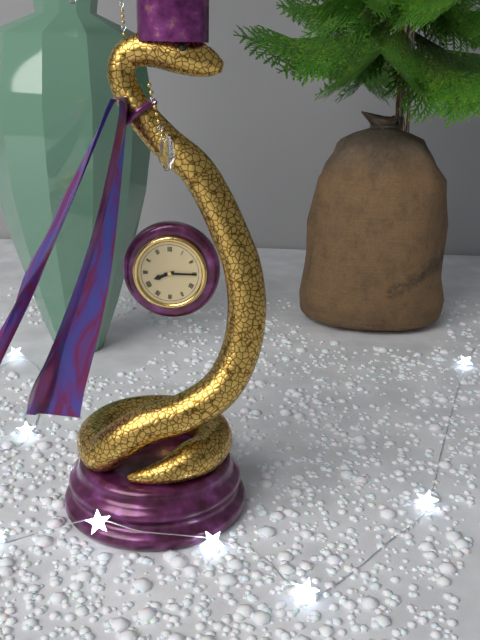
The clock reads h=8 m=15
